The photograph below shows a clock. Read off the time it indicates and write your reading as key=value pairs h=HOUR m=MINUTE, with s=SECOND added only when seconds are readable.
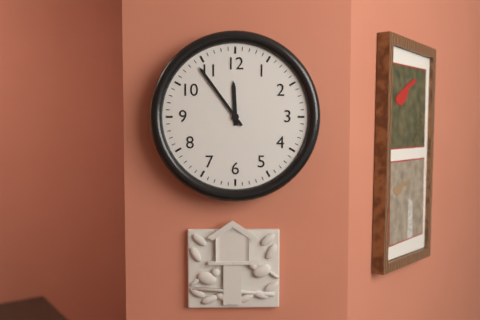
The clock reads h=11 m=54
